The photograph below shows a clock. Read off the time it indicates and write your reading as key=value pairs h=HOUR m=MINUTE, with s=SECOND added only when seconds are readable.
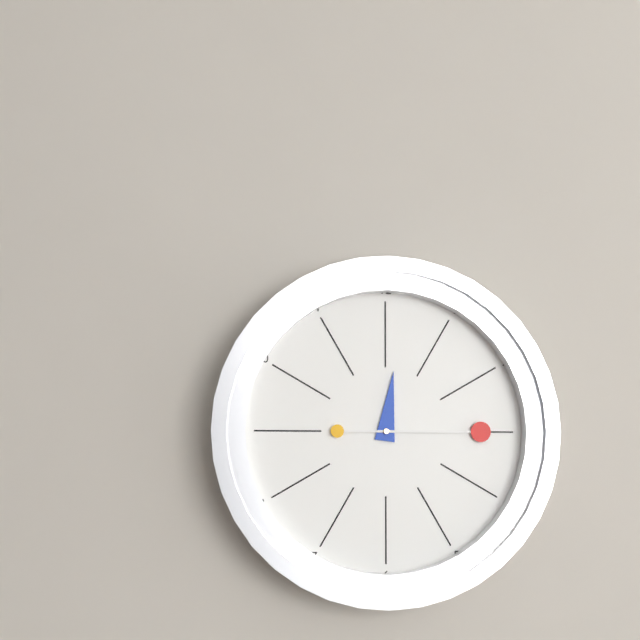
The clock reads h=12 m=15
